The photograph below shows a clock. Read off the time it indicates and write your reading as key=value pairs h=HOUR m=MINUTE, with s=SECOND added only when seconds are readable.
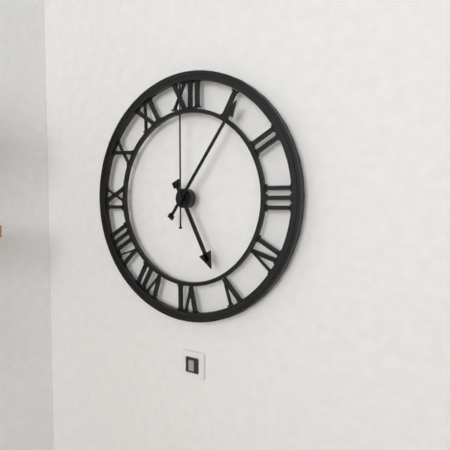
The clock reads h=5 m=6 s=0
